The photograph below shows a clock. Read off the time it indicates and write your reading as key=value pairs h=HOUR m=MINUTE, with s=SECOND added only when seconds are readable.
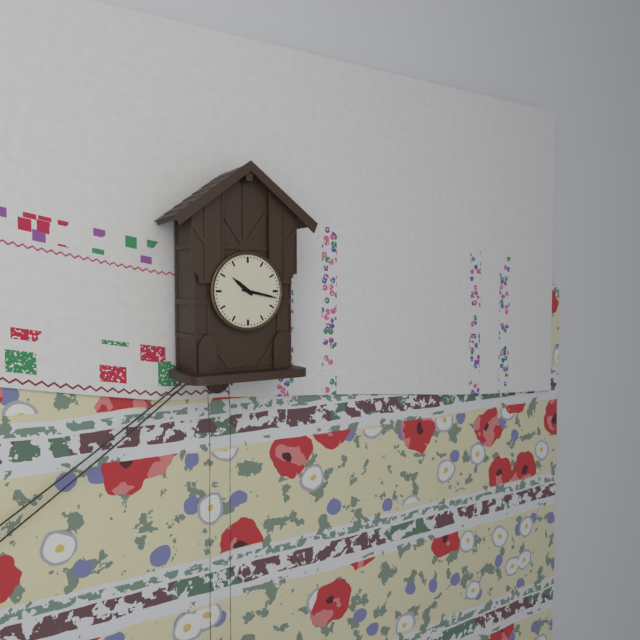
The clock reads h=10 m=17
